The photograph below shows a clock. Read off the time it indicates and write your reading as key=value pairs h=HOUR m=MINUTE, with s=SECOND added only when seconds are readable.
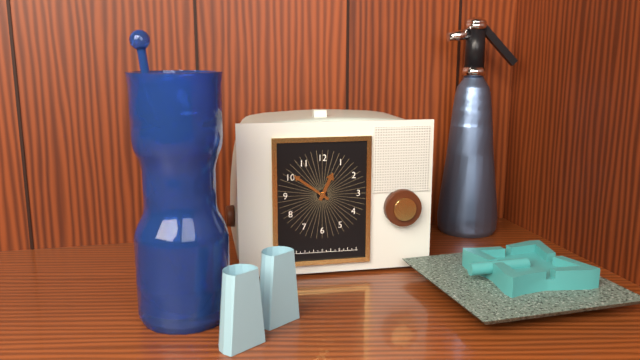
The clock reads h=12 m=51
